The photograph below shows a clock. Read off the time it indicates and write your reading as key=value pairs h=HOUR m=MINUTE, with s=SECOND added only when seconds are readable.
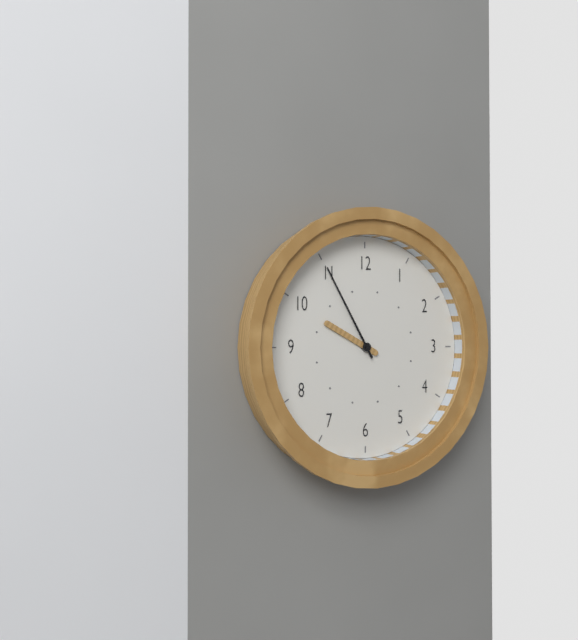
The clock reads h=9 m=55
